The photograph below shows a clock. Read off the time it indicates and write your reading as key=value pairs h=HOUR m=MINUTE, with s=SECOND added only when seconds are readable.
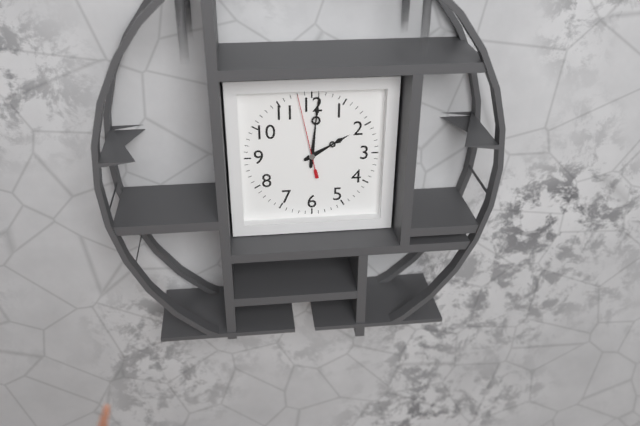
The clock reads h=2 m=1 s=58
